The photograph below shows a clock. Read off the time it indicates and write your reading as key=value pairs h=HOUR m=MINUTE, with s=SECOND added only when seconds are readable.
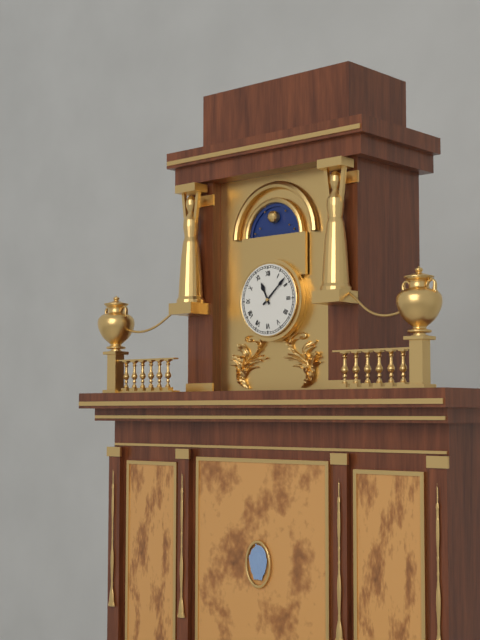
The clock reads h=11 m=8
